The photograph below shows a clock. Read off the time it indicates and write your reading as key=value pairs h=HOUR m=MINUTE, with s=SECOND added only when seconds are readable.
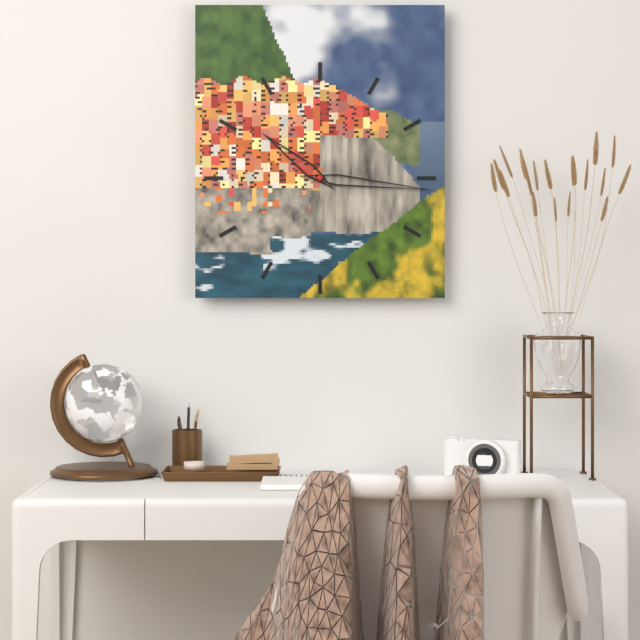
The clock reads h=10 m=16
